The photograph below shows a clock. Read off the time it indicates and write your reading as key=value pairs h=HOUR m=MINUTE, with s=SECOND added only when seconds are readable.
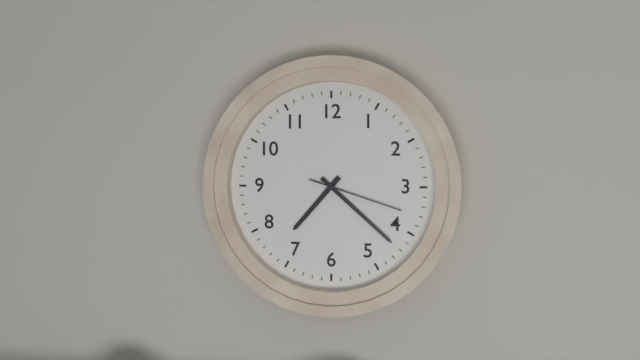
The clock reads h=7 m=22 s=18
